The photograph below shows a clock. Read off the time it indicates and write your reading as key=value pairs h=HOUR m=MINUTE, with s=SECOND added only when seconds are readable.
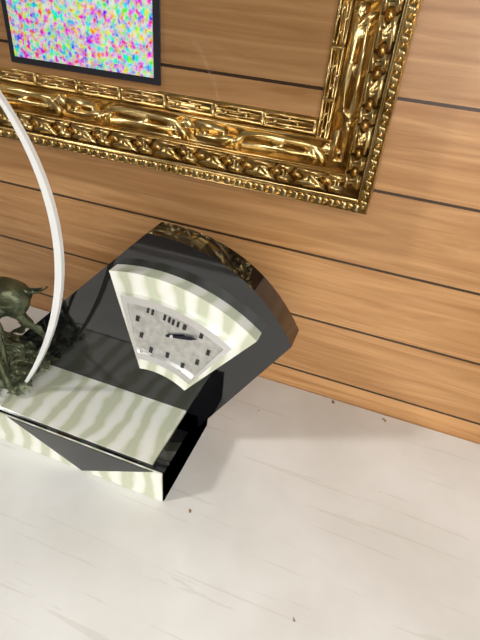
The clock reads h=2 m=11
